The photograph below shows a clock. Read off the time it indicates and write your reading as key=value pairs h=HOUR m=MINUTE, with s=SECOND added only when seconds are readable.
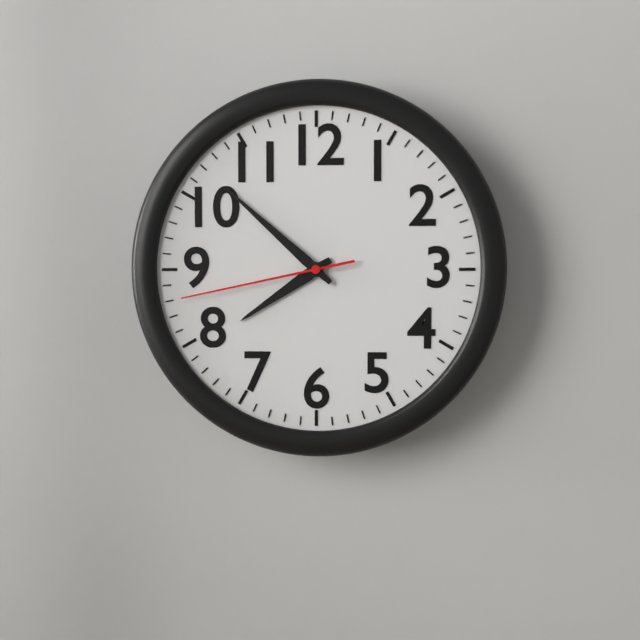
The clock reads h=7 m=52 s=43
